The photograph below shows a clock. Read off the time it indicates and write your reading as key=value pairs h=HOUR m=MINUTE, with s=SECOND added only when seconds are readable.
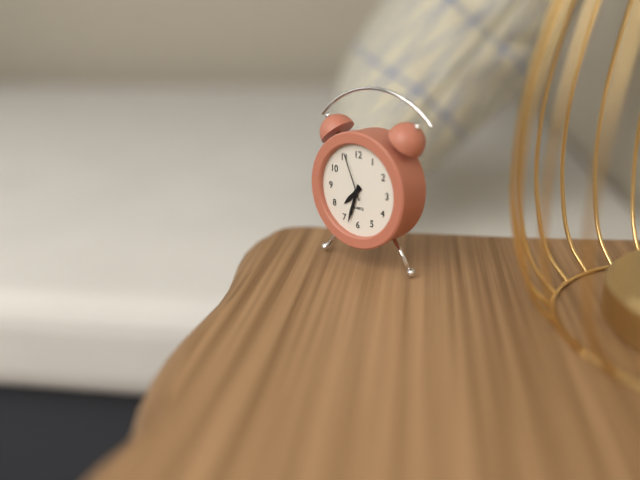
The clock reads h=7 m=33 s=56
